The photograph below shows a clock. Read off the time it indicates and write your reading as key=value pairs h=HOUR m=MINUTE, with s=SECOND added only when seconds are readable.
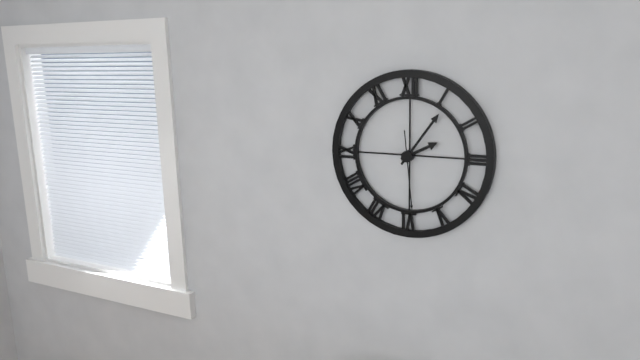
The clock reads h=2 m=6 s=29
